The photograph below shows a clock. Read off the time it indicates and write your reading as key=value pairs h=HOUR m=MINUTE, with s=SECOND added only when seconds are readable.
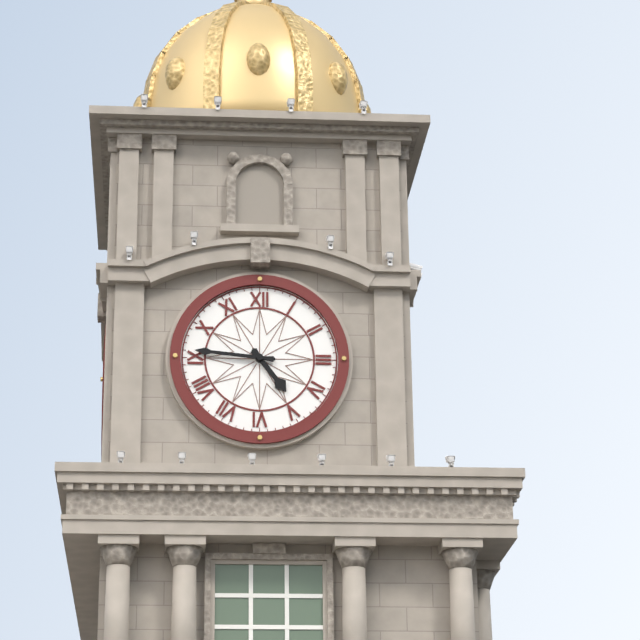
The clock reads h=4 m=46
